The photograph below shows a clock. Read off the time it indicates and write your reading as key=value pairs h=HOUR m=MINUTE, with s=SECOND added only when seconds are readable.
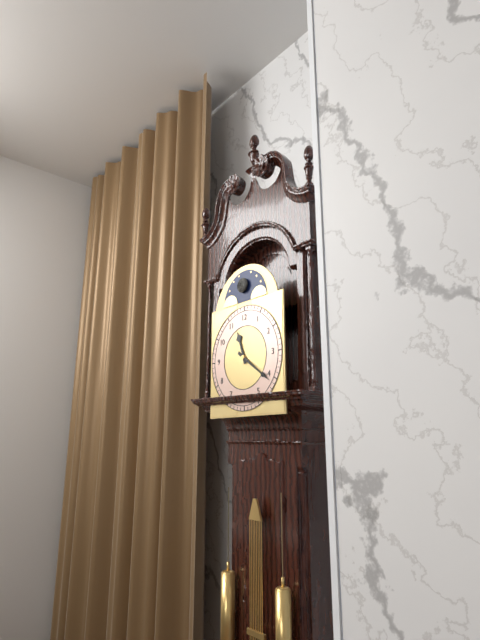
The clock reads h=11 m=21
